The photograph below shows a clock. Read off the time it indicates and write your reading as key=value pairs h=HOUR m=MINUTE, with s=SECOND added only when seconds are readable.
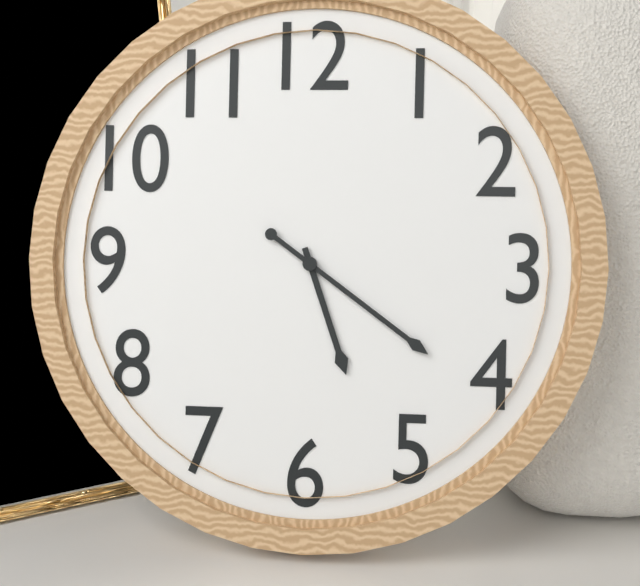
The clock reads h=5 m=21
